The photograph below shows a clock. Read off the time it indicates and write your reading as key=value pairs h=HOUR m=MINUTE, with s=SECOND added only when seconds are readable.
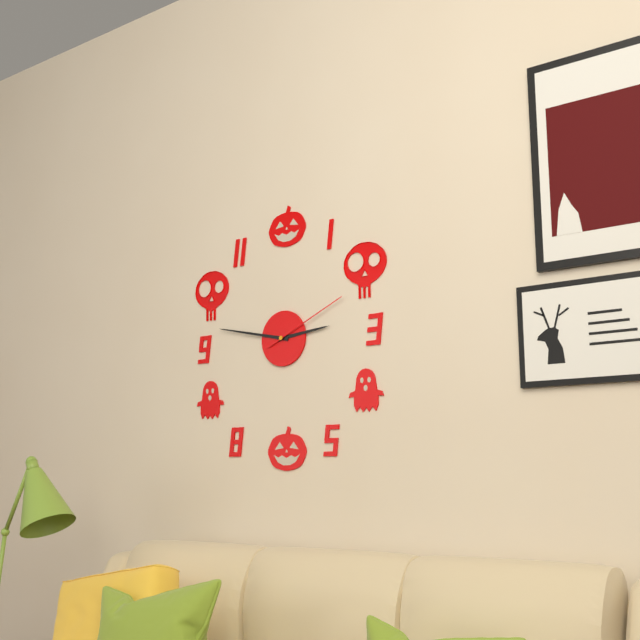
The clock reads h=2 m=47 s=11
